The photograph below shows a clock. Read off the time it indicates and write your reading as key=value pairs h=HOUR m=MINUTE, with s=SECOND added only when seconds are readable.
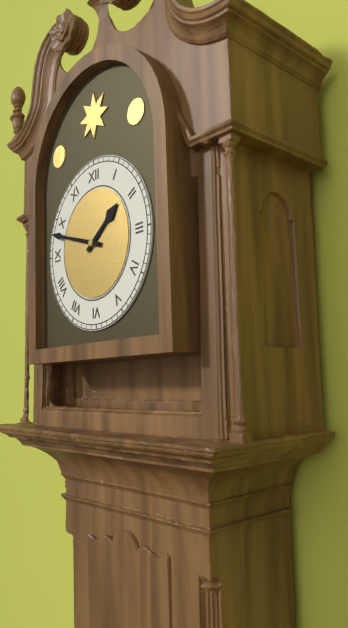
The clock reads h=1 m=48
